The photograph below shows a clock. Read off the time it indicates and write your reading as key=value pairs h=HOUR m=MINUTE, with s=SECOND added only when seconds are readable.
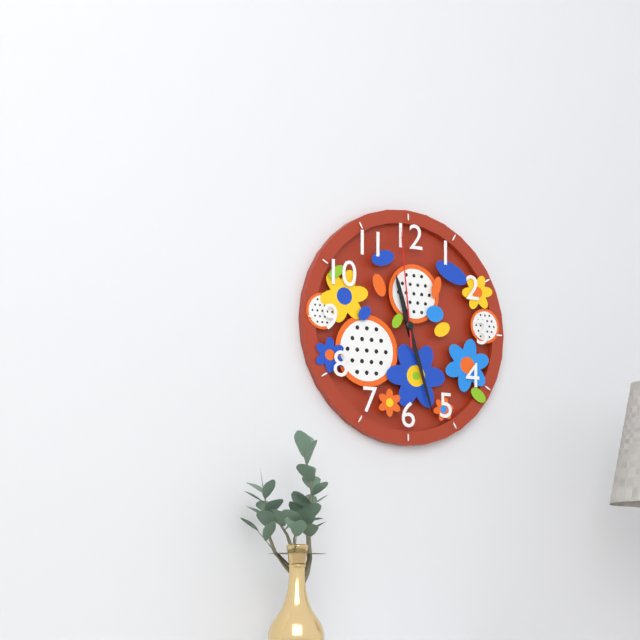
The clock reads h=11 m=27 s=59
